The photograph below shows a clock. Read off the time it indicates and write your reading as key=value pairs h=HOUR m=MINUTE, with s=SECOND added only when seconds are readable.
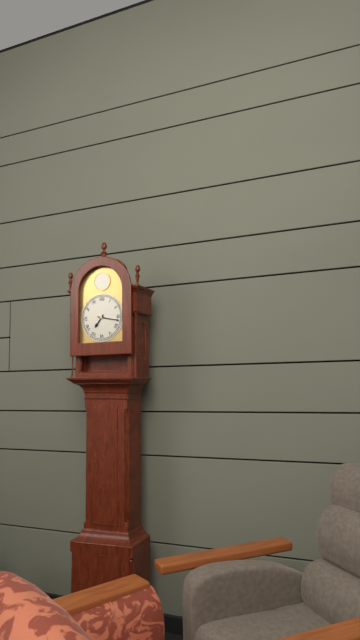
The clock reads h=7 m=17
